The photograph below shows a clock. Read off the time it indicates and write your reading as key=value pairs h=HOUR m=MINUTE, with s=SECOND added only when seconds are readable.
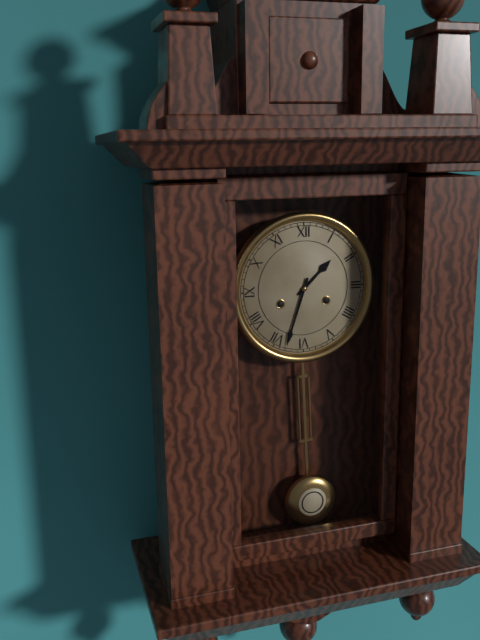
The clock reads h=1 m=33
